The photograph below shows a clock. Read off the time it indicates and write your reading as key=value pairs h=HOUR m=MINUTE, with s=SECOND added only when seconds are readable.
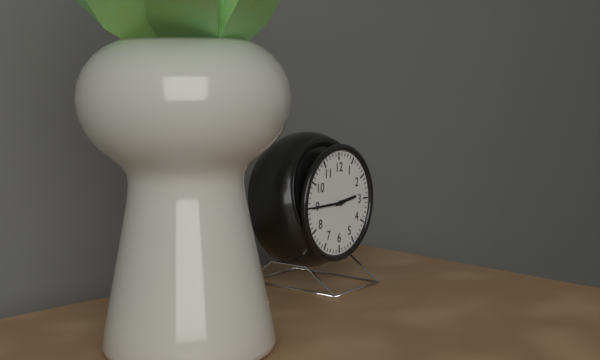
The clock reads h=2 m=45
